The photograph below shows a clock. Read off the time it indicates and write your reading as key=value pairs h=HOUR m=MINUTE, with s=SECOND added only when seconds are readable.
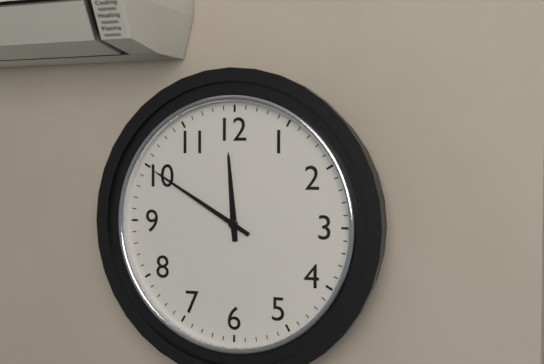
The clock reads h=11 m=50
